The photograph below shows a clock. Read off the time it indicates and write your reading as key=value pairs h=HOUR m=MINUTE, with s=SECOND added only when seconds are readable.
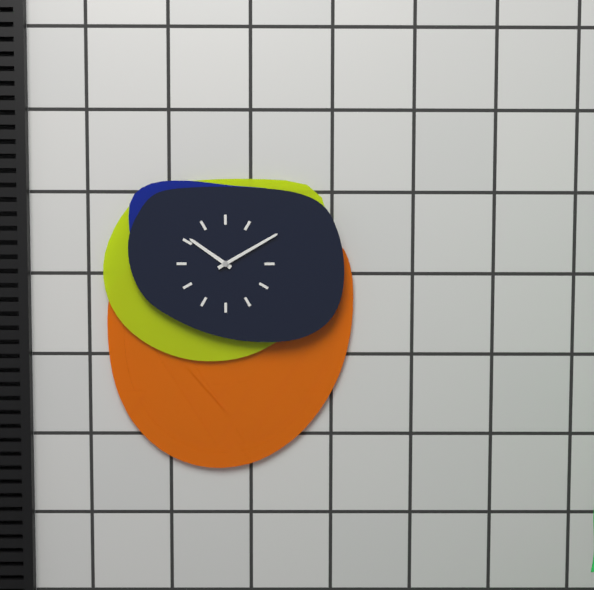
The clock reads h=10 m=10
